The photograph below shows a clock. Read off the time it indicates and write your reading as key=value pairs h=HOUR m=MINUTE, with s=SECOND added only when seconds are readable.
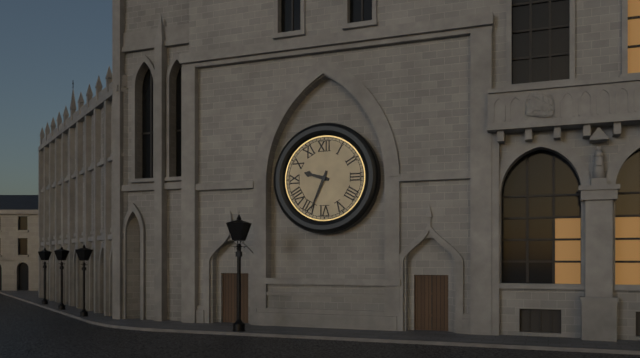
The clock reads h=9 m=34
